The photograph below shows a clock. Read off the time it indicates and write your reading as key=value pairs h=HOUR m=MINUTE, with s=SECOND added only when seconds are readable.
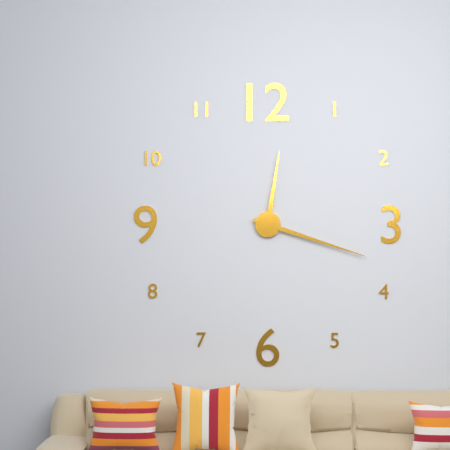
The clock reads h=12 m=18
